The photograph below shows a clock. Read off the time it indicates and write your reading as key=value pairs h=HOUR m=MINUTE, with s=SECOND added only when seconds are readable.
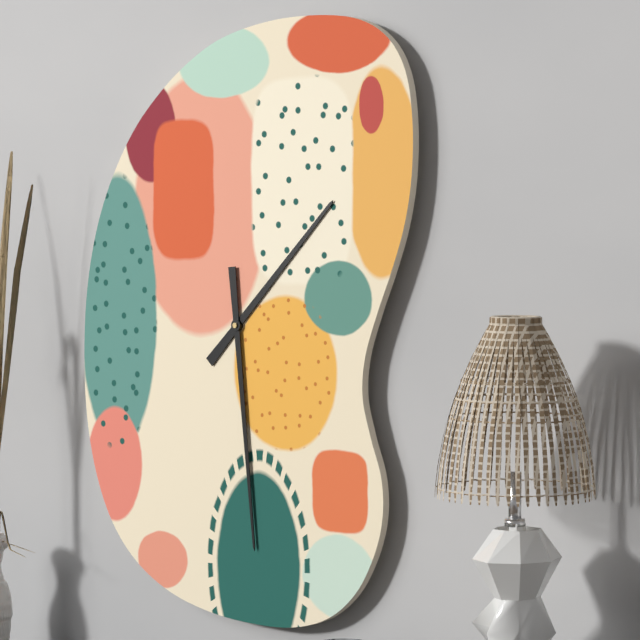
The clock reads h=1 m=29
